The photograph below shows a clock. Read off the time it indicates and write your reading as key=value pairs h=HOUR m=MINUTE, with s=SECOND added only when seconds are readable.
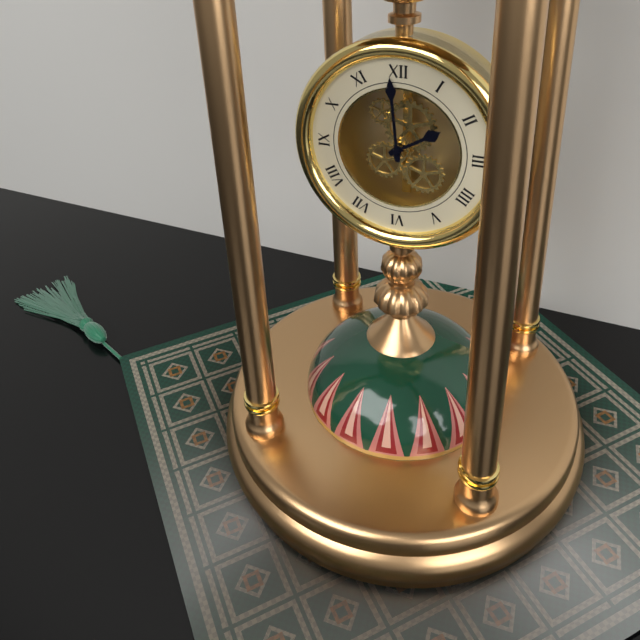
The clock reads h=1 m=59
